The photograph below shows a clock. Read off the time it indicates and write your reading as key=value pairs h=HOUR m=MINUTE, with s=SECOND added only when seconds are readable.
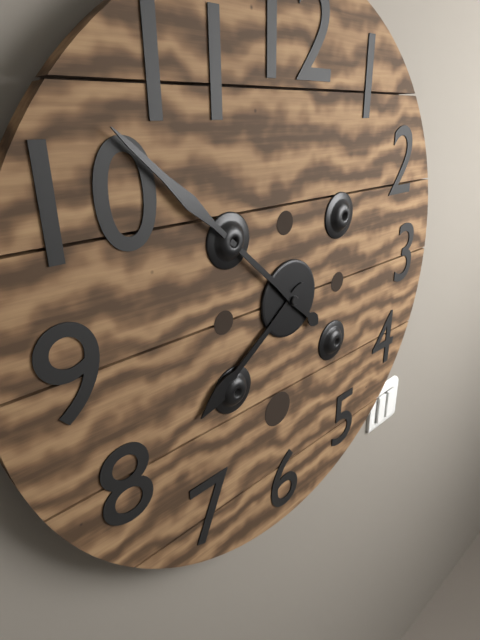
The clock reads h=7 m=52
